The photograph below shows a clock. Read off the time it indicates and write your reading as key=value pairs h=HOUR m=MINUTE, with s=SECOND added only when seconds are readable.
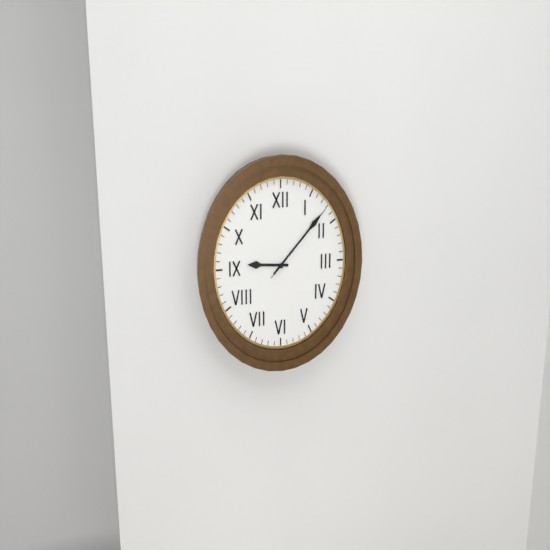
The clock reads h=9 m=8 s=8
